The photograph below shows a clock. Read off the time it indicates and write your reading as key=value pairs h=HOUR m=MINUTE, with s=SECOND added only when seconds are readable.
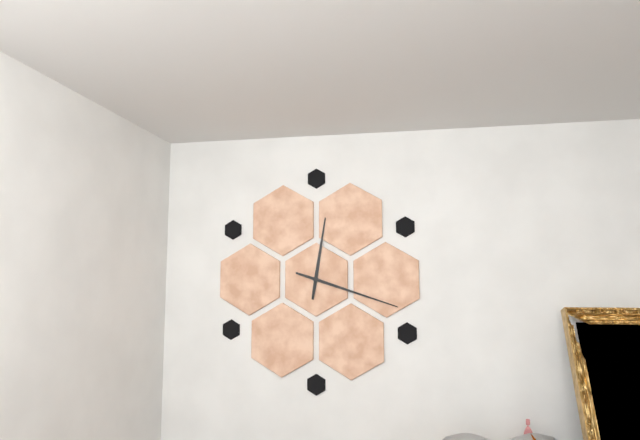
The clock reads h=12 m=18
